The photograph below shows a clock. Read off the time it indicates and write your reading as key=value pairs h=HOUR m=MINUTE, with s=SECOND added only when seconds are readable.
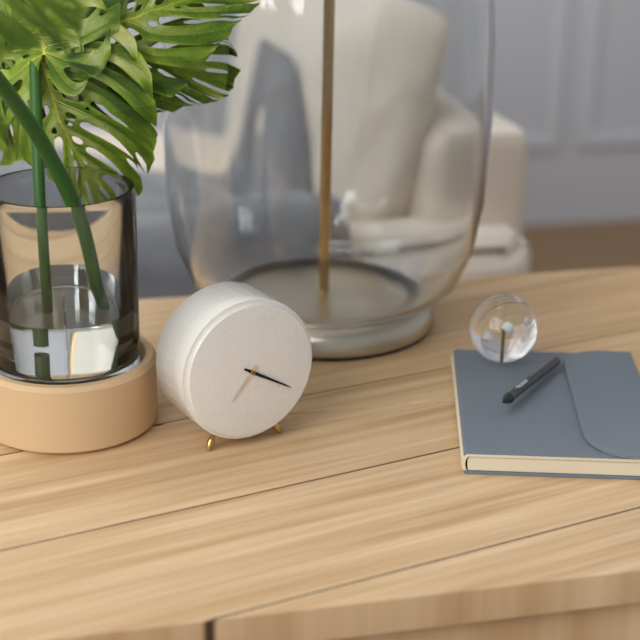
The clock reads h=7 m=20
